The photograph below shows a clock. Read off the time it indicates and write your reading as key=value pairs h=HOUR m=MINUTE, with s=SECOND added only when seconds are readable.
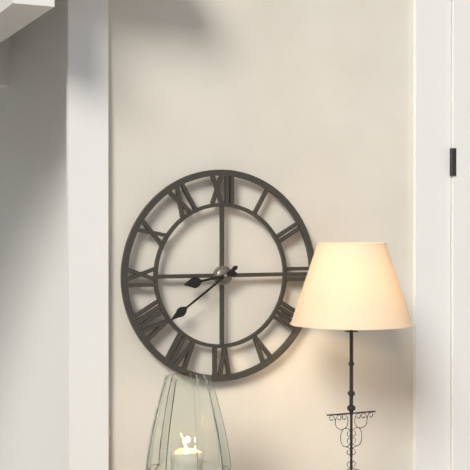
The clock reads h=8 m=39
